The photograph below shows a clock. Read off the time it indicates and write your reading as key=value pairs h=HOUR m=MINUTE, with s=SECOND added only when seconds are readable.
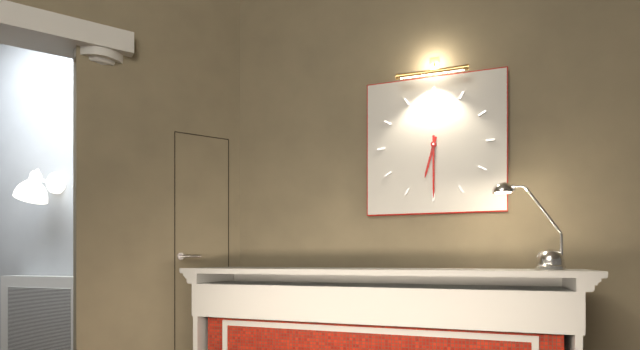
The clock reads h=6 m=30
